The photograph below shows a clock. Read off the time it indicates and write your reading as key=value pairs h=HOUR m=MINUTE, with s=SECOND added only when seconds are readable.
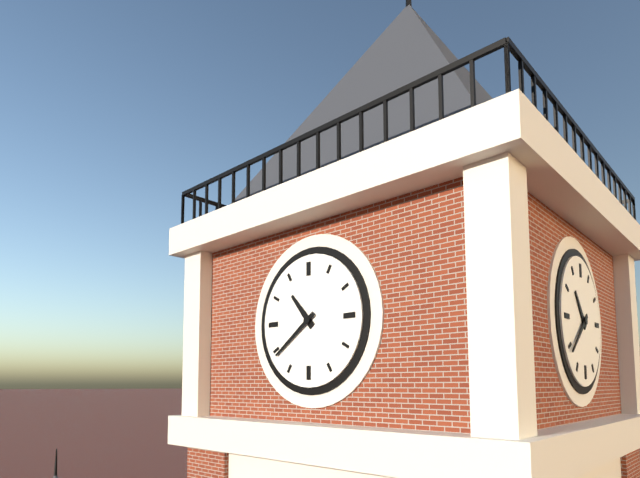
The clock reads h=10 m=39
